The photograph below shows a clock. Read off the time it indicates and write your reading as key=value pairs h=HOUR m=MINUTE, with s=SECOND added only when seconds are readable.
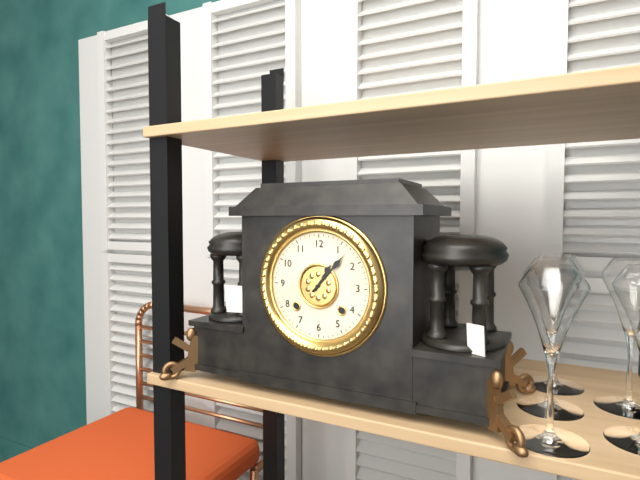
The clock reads h=1 m=7
